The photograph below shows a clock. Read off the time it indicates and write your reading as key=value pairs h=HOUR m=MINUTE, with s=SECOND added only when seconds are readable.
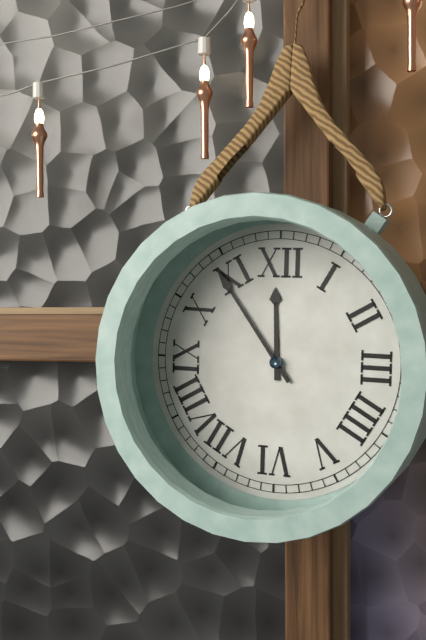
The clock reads h=11 m=54
